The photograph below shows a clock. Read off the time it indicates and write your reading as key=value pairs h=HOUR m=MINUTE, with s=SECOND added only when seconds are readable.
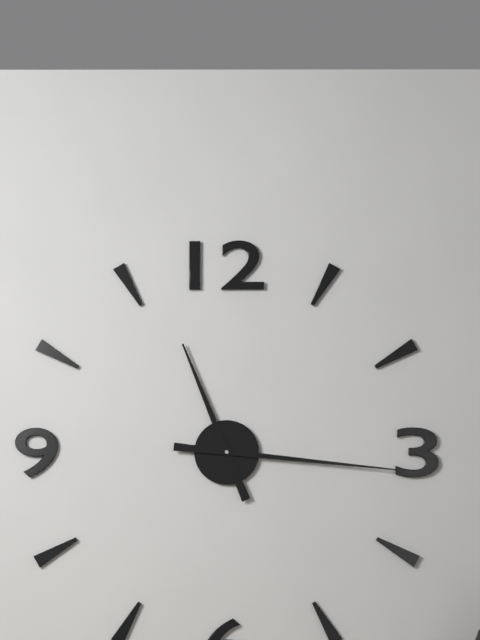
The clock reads h=11 m=16
